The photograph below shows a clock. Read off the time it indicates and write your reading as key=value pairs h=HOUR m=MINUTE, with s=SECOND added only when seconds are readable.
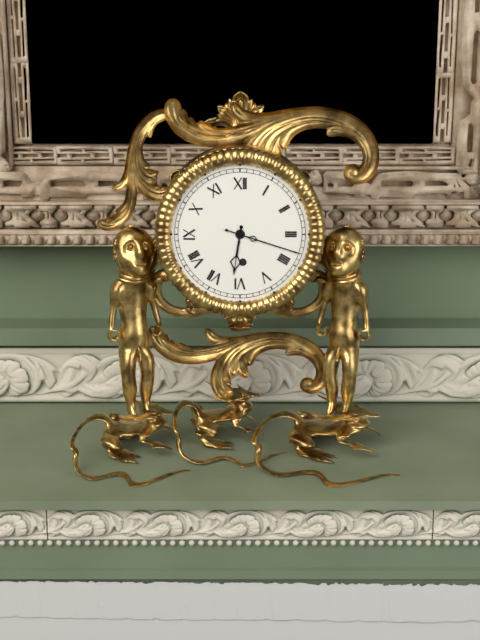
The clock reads h=6 m=18
